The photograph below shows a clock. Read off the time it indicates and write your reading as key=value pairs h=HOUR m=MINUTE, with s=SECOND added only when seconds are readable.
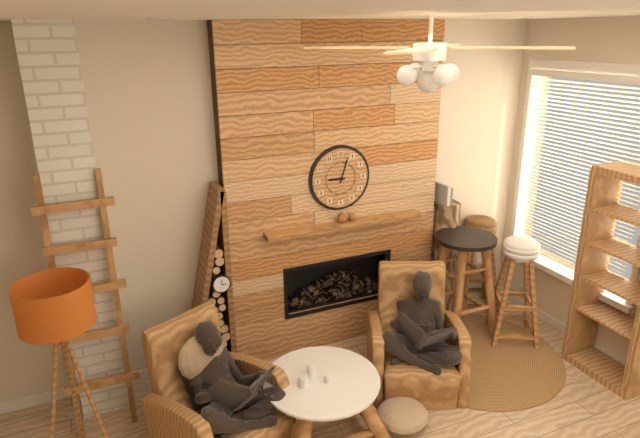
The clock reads h=9 m=3
